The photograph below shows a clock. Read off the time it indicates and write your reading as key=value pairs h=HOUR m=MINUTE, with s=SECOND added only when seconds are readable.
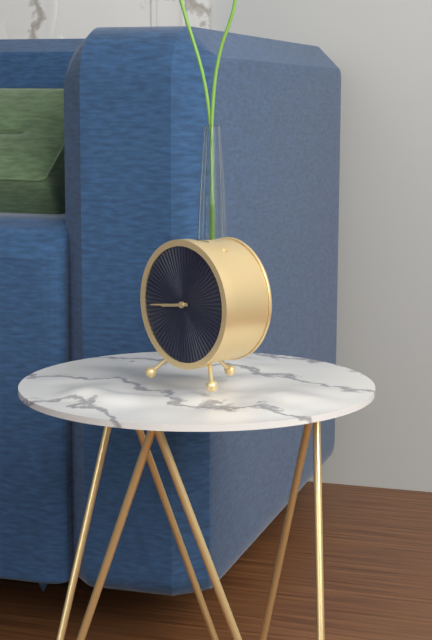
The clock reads h=8 m=44
